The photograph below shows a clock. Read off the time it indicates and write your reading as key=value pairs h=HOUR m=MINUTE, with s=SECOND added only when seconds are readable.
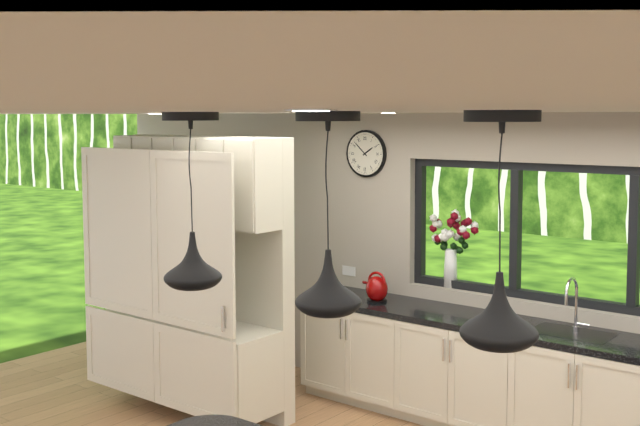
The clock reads h=1 m=52
